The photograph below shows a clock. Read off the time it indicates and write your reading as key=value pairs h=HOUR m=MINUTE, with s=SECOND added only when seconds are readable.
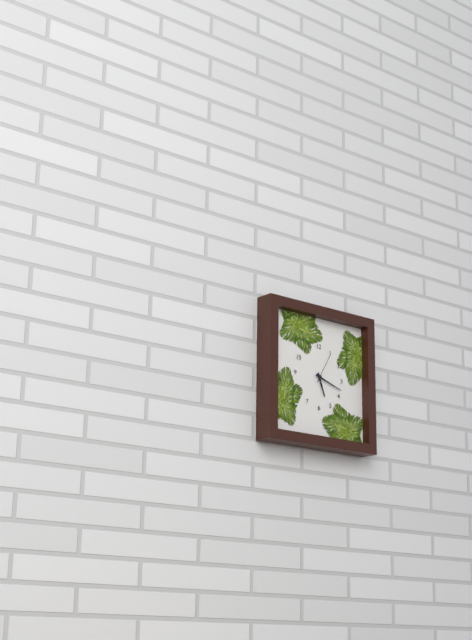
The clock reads h=5 m=18
